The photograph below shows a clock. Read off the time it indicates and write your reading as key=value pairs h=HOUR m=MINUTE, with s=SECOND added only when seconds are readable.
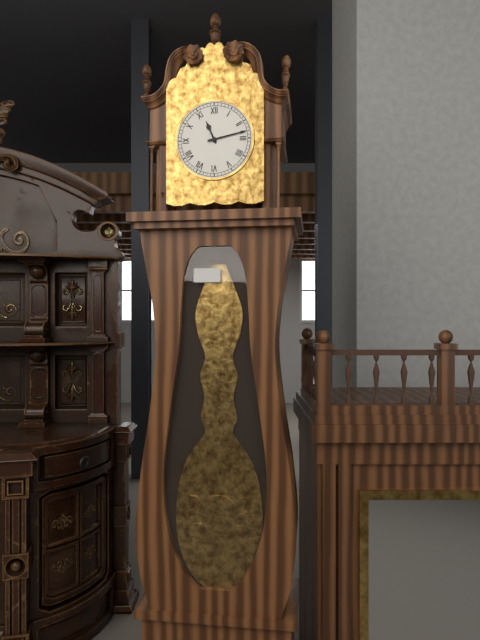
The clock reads h=11 m=13
